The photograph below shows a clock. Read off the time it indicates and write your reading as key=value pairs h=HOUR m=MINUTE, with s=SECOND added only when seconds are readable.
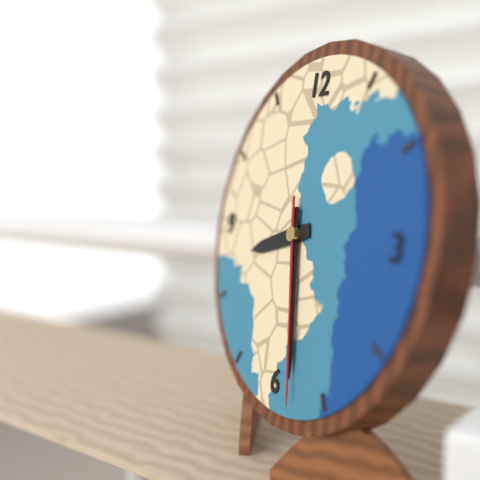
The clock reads h=8 m=28 s=28
